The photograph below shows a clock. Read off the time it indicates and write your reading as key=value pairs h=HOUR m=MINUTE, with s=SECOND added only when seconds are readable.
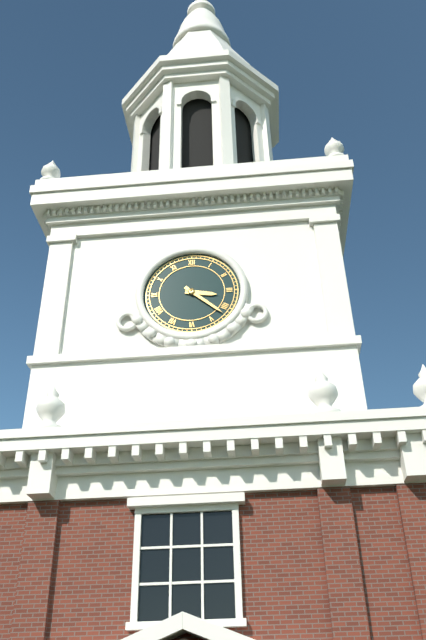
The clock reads h=3 m=22
